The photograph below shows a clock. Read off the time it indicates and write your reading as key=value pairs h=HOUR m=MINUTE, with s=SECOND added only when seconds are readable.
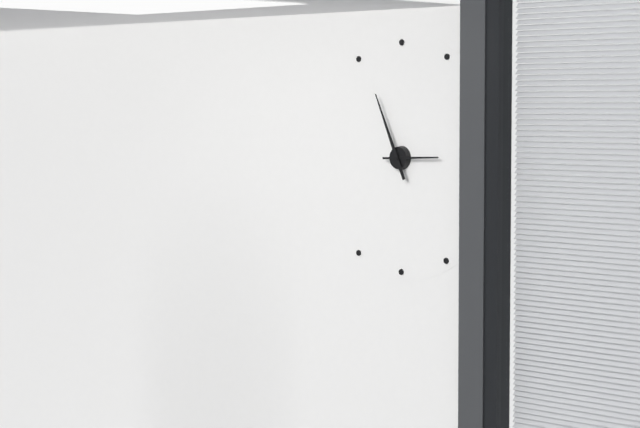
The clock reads h=2 m=56
